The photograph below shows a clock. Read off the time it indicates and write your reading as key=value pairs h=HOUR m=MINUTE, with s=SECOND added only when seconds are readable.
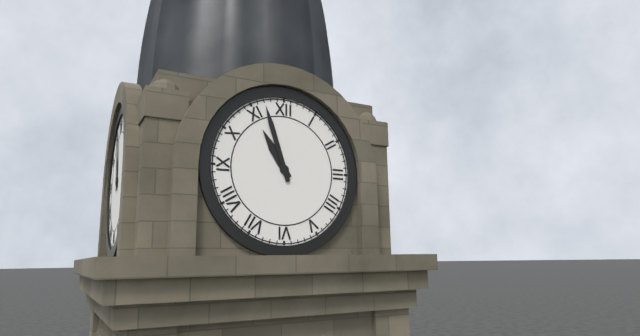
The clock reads h=10 m=57
